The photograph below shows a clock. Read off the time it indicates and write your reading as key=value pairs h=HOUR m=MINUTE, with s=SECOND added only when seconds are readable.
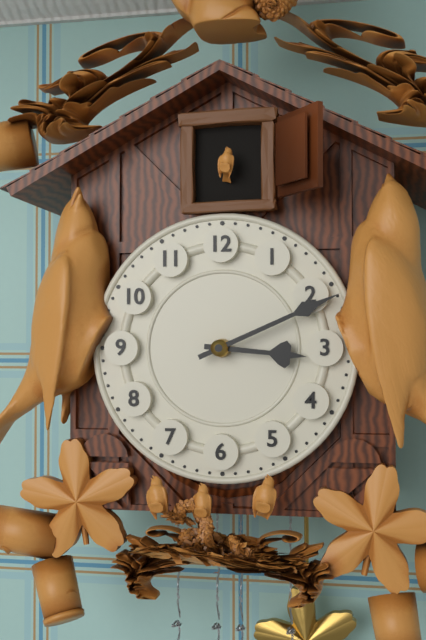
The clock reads h=3 m=11
